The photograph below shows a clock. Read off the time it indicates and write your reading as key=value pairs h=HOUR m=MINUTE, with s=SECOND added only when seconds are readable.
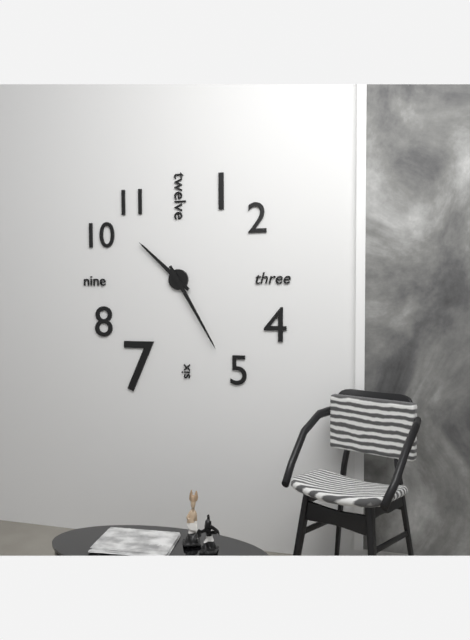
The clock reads h=10 m=25
